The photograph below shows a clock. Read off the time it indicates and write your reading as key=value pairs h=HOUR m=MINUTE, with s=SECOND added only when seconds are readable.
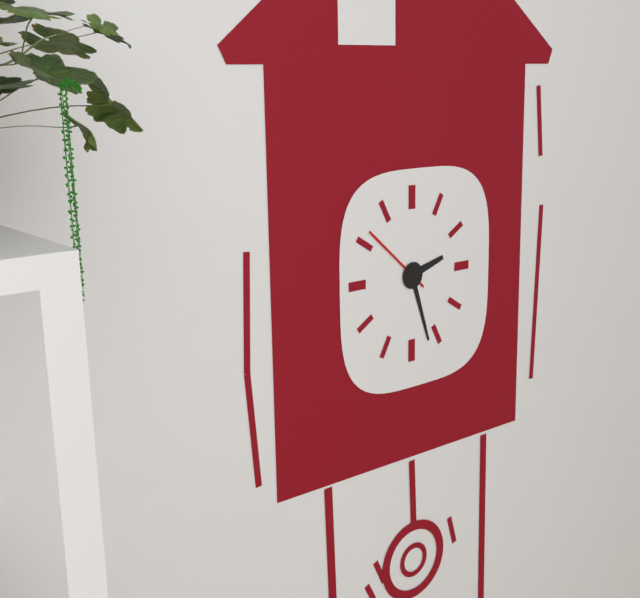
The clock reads h=2 m=27 s=52
